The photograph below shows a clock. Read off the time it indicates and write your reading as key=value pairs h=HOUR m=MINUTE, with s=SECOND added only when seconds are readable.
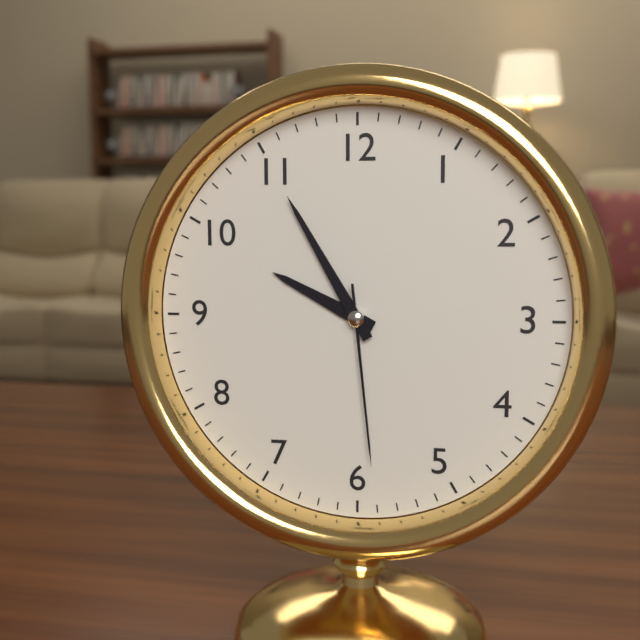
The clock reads h=9 m=55 s=29
